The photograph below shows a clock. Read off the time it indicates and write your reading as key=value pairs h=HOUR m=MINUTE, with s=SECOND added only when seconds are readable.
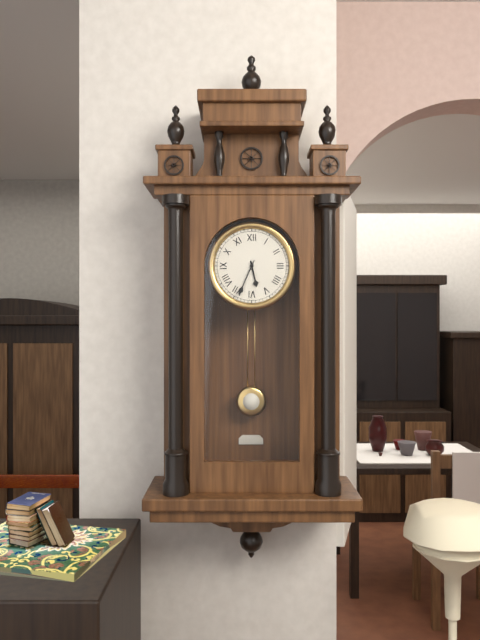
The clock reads h=5 m=34
